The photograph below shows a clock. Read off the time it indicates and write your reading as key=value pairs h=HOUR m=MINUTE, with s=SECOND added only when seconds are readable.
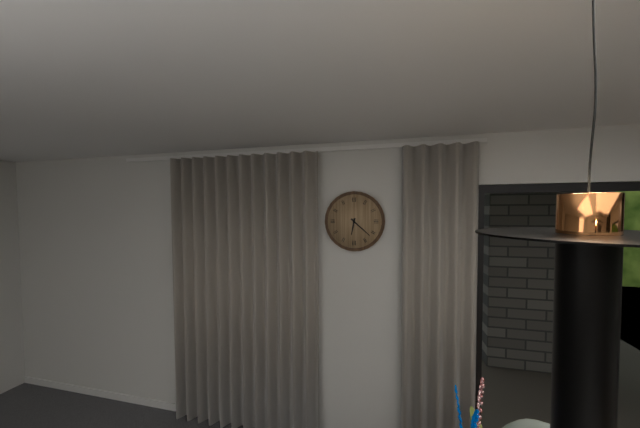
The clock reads h=6 m=22
